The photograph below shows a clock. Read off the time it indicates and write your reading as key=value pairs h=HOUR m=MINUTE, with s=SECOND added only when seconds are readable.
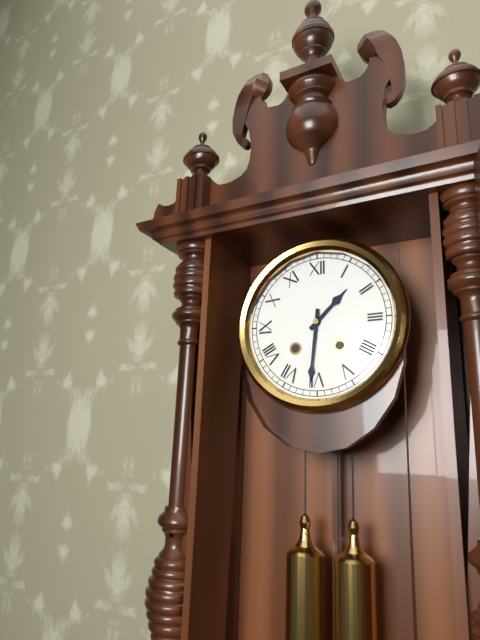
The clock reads h=1 m=31
